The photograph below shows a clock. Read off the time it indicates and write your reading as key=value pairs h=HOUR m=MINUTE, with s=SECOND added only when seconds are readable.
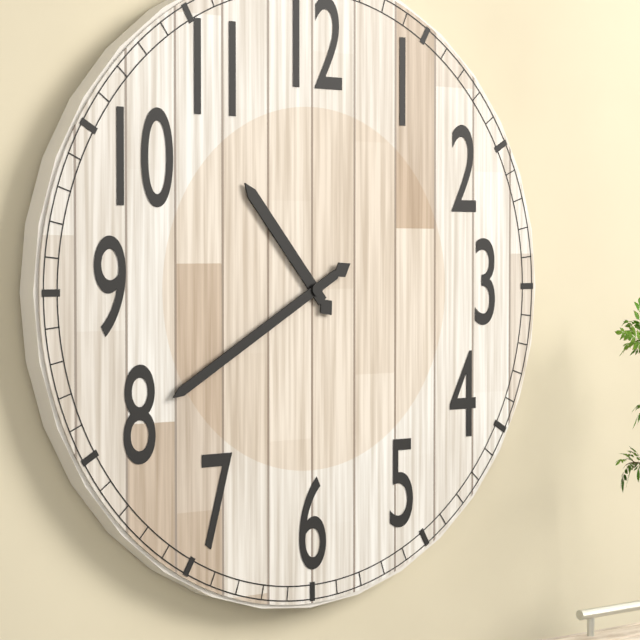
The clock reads h=10 m=40
